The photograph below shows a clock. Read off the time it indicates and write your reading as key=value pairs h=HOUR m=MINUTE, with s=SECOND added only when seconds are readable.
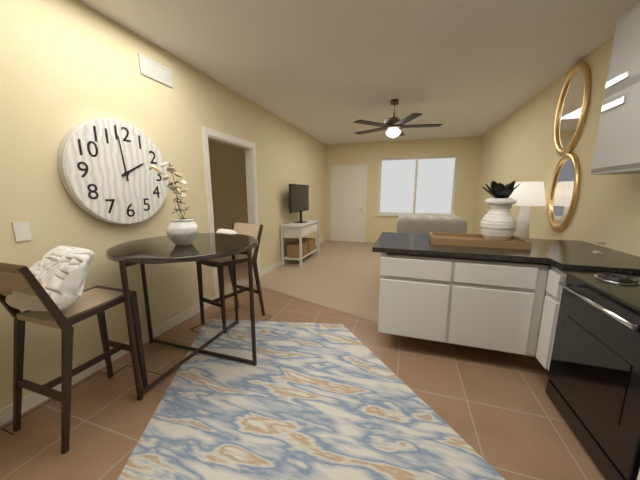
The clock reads h=1 m=59
